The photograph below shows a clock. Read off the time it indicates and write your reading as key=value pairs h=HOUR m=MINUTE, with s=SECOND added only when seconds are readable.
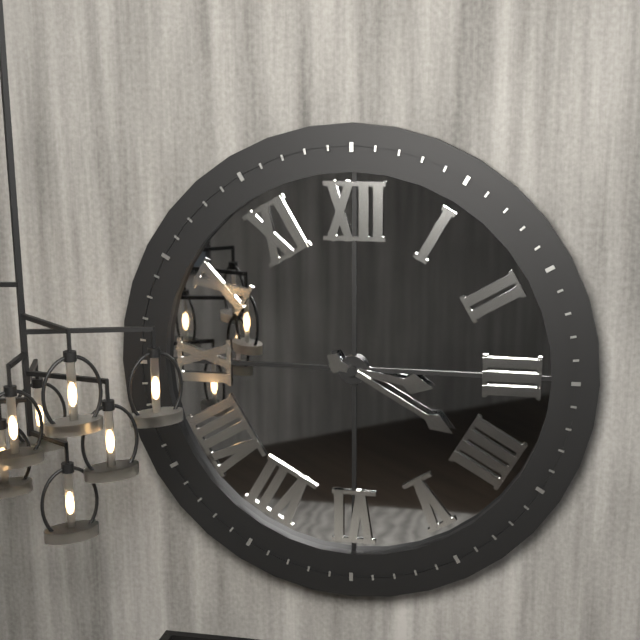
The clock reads h=3 m=20
